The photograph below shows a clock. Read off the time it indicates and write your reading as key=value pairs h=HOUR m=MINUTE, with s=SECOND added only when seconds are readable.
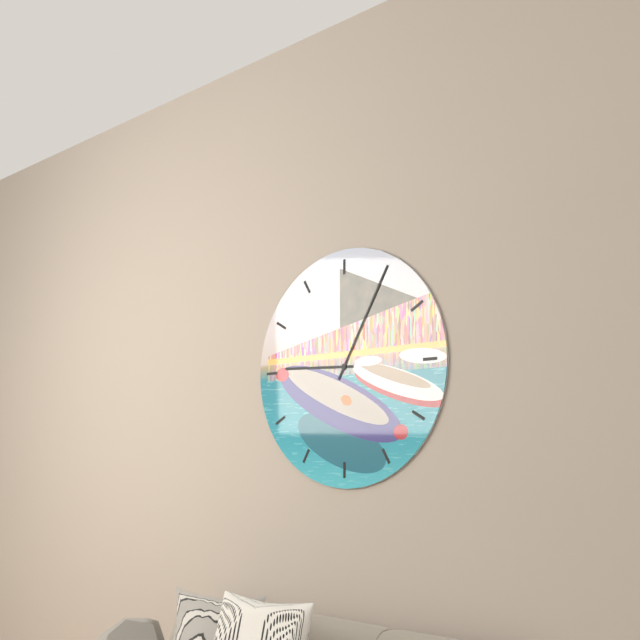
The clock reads h=9 m=5
